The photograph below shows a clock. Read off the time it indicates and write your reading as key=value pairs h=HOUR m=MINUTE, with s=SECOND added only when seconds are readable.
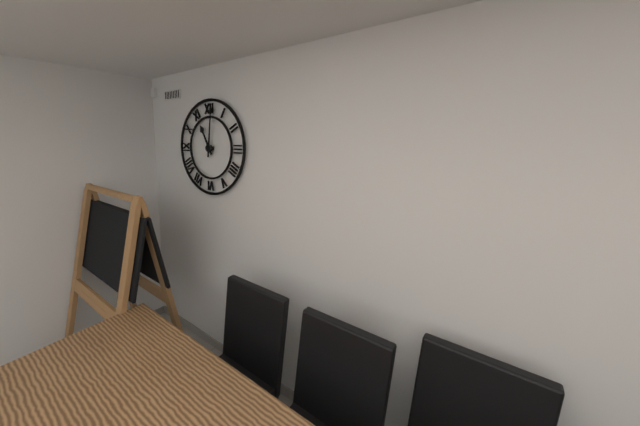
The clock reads h=11 m=1
